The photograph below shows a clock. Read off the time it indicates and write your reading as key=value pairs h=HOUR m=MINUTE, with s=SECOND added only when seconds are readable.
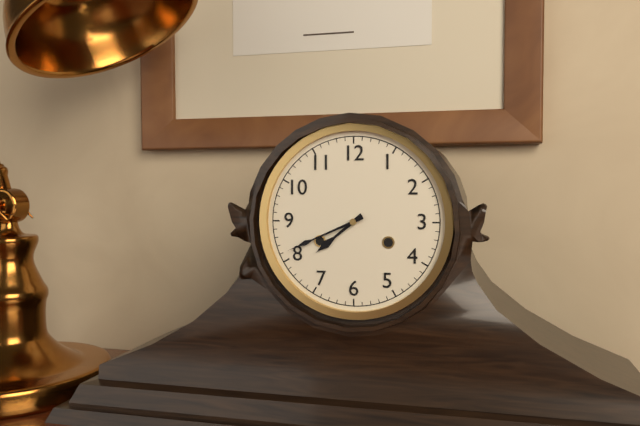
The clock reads h=7 m=41
